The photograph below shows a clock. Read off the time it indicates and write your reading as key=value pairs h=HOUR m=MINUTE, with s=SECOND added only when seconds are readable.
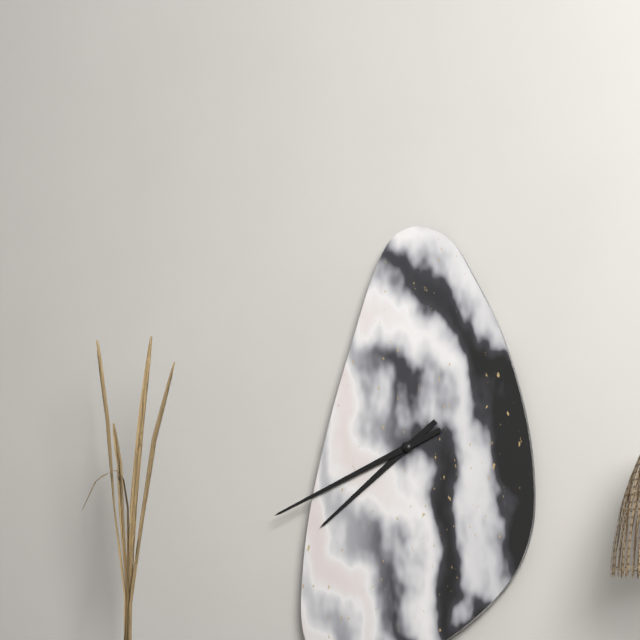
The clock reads h=7 m=41
